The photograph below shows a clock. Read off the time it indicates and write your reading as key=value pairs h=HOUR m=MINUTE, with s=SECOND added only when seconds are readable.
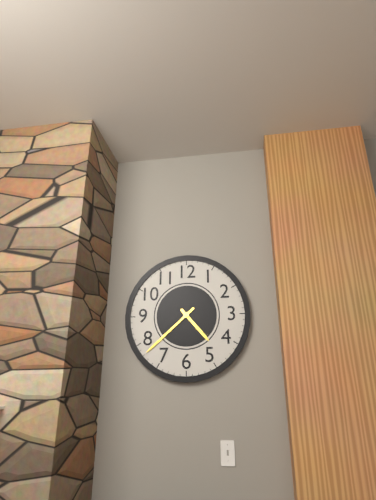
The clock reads h=4 m=38
